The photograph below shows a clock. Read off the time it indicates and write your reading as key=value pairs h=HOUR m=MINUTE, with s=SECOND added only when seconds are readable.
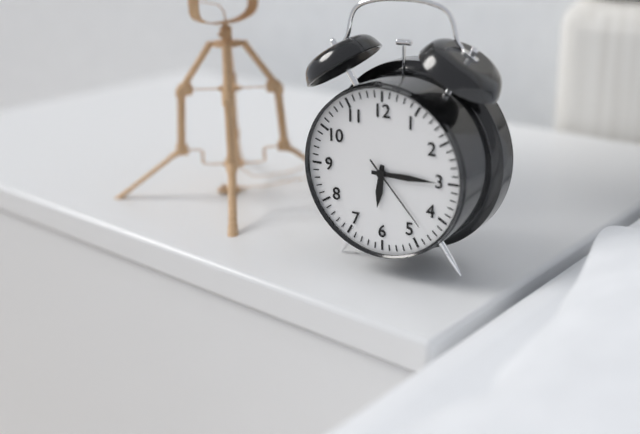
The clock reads h=6 m=15 s=23
